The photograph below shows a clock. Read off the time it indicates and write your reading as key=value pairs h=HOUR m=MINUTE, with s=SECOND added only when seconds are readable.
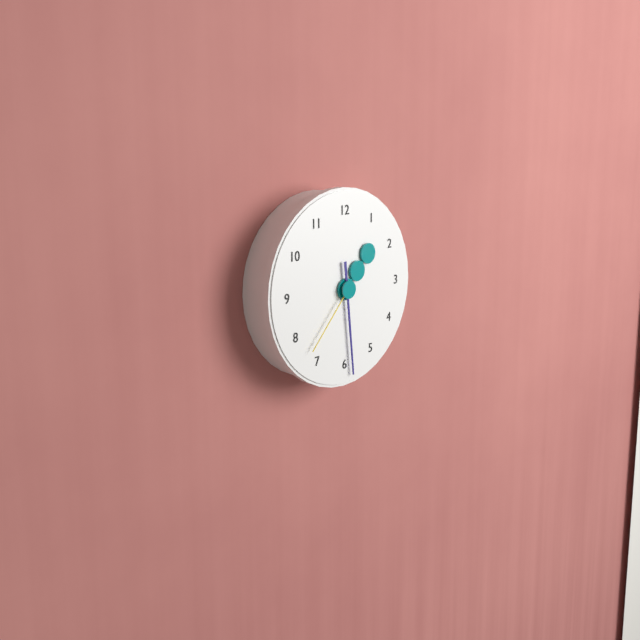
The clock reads h=1 m=29 s=37
